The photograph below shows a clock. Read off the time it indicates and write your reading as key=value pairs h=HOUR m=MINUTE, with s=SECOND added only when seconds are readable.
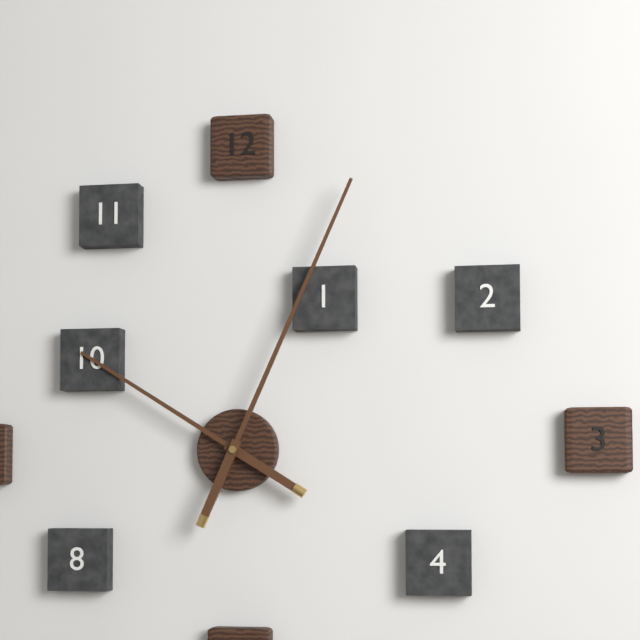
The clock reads h=10 m=4
